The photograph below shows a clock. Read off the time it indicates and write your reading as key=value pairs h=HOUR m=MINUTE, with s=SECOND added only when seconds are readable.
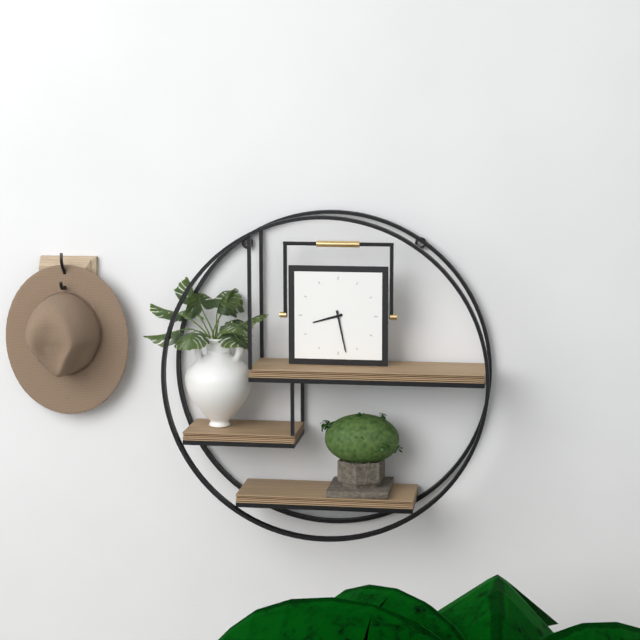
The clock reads h=8 m=28
